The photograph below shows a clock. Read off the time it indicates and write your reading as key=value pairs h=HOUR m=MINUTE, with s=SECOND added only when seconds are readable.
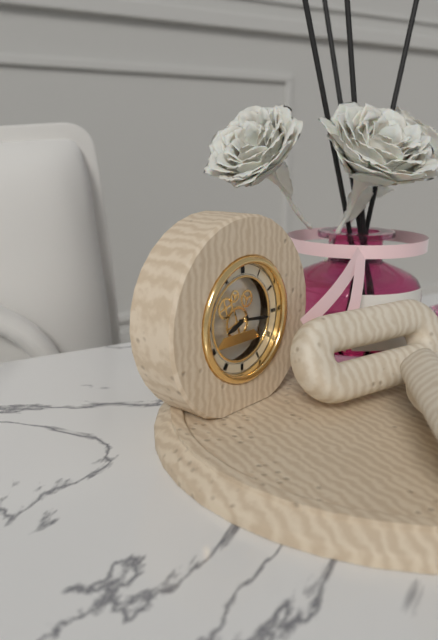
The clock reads h=8 m=16
